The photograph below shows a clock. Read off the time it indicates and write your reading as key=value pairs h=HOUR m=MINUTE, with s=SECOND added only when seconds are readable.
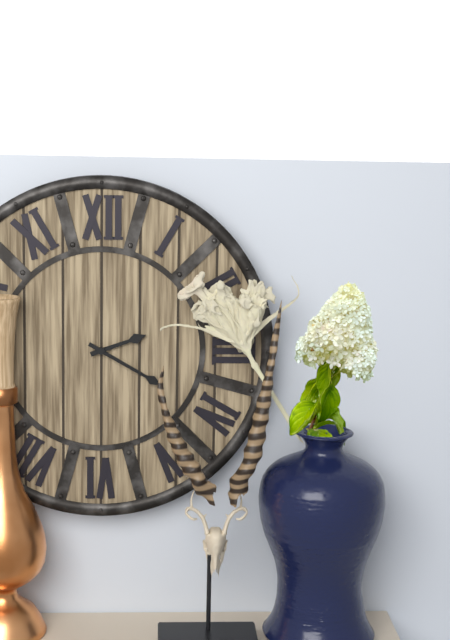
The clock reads h=2 m=20
